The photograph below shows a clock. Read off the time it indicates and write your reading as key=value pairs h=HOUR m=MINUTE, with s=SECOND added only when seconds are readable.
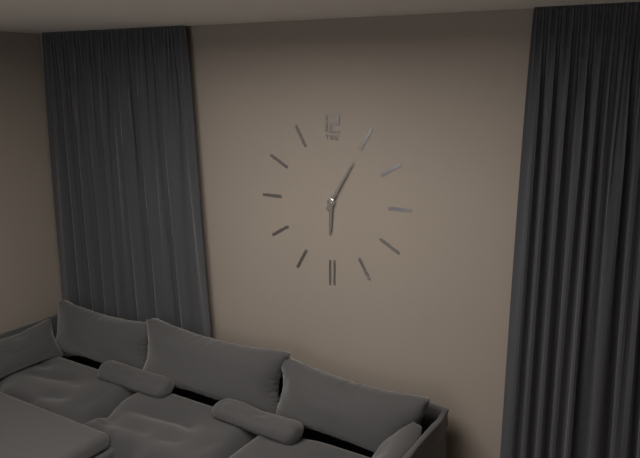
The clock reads h=6 m=5
